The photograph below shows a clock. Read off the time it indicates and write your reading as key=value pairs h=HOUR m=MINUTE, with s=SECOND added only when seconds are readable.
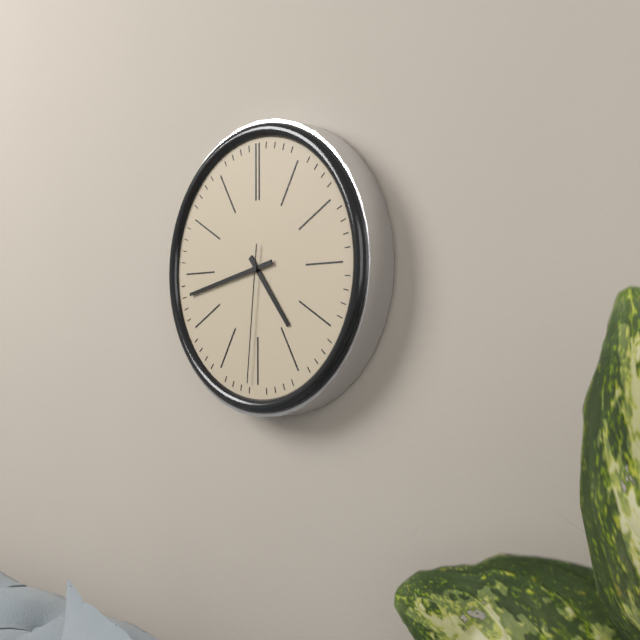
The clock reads h=4 m=43 s=31
